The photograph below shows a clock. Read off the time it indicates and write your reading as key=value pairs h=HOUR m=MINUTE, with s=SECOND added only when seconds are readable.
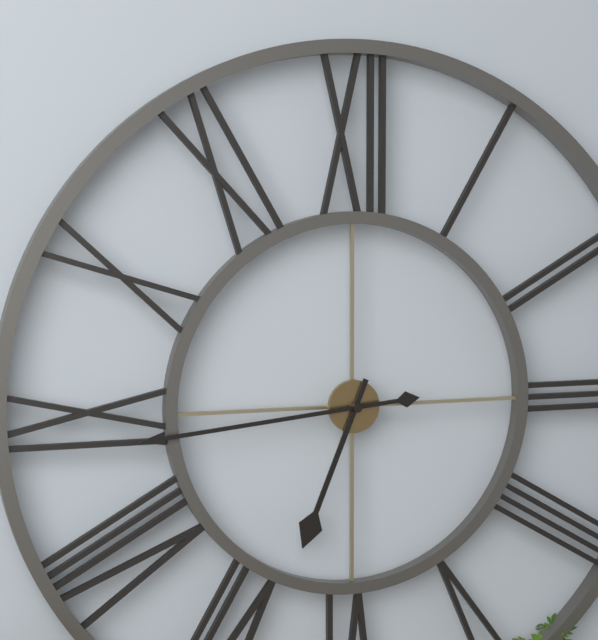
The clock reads h=6 m=44
